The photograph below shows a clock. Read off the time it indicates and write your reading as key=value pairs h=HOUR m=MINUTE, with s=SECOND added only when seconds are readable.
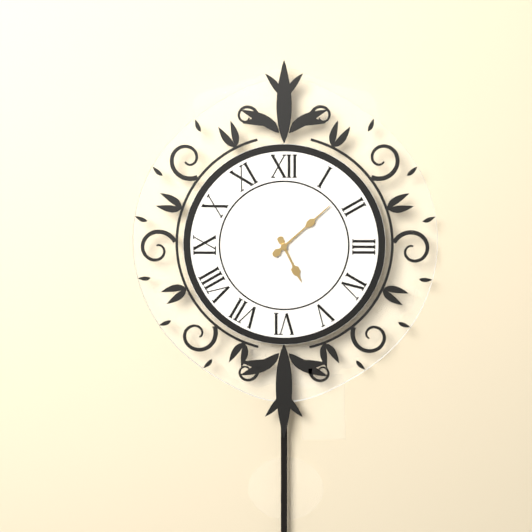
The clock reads h=5 m=8
